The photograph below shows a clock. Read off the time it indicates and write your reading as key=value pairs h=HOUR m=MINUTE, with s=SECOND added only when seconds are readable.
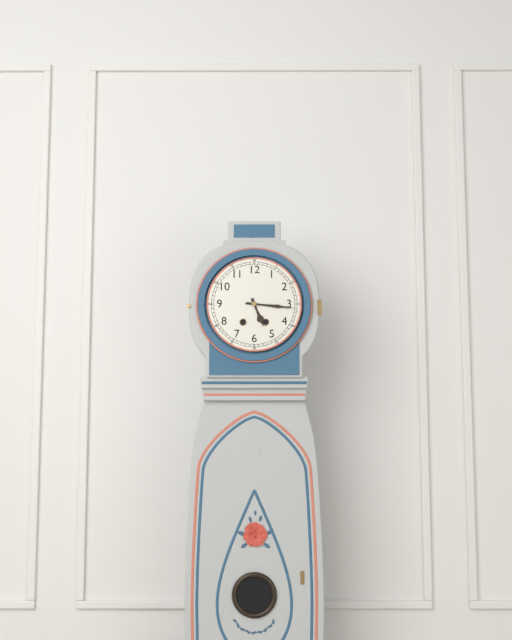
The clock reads h=5 m=16
